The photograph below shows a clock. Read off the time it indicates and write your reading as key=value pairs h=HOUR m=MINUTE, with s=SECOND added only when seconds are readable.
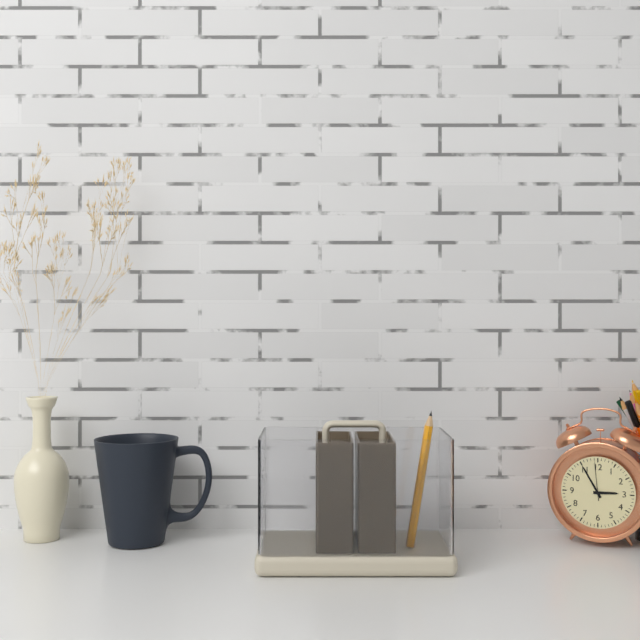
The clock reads h=2 m=55
